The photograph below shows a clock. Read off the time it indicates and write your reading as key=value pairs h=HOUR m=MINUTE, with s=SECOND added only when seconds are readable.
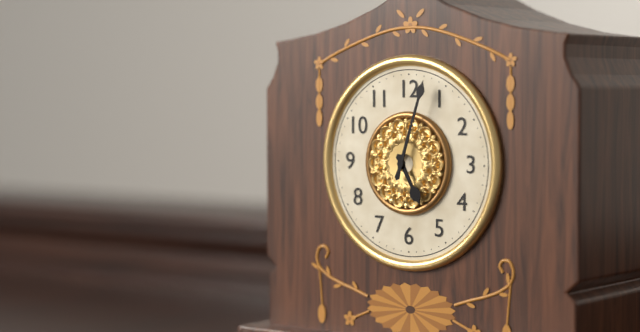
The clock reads h=5 m=3
